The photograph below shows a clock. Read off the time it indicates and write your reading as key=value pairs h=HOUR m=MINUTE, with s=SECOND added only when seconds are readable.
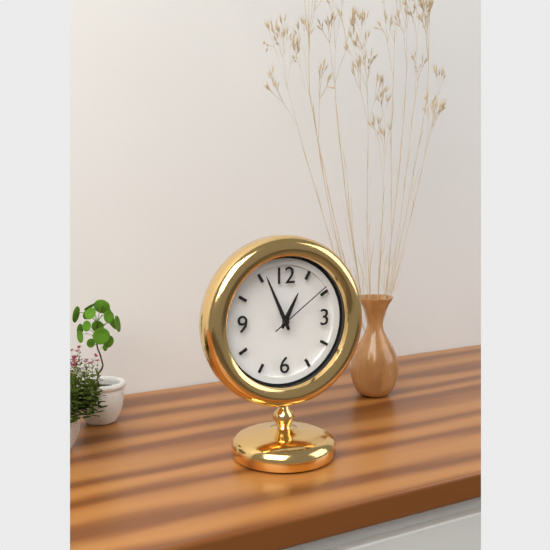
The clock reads h=12 m=56 s=9
